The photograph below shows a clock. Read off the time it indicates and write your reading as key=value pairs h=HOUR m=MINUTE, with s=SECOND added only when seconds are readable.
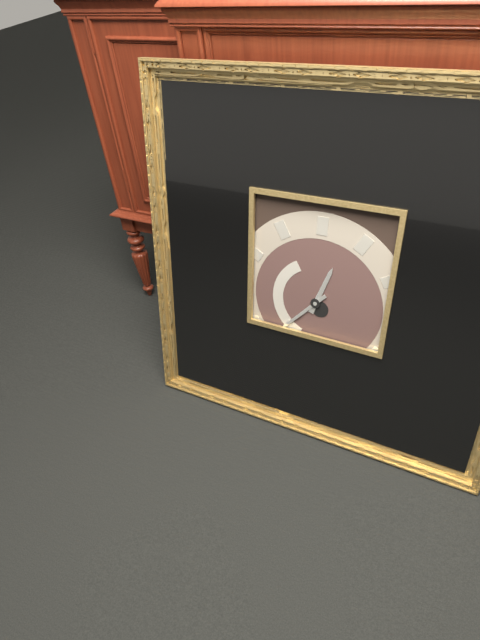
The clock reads h=12 m=37
